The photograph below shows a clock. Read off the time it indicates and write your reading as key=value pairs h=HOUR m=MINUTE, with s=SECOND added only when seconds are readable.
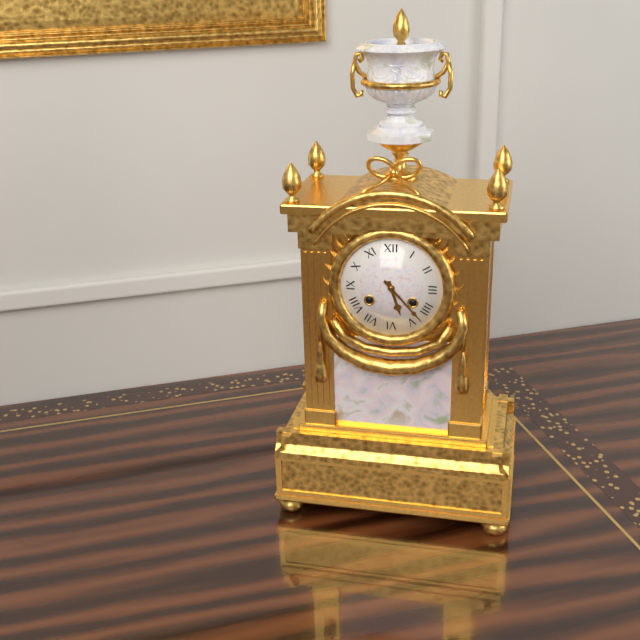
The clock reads h=5 m=23
